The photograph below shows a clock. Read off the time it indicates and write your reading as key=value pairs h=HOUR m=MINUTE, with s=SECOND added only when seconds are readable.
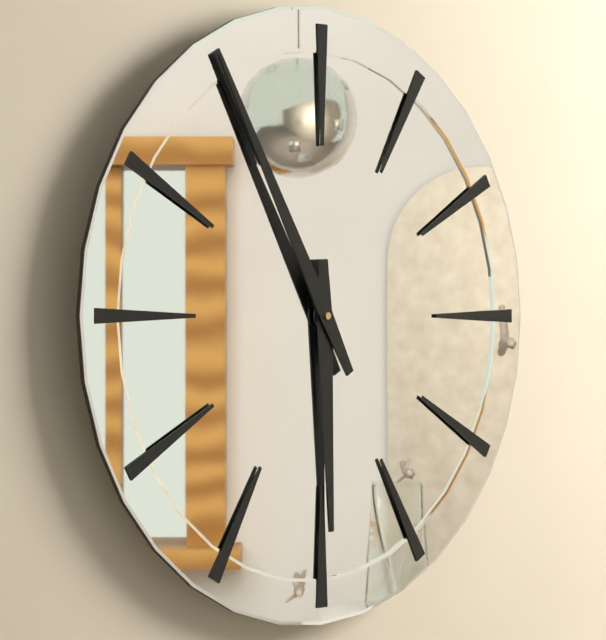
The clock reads h=5 m=55
